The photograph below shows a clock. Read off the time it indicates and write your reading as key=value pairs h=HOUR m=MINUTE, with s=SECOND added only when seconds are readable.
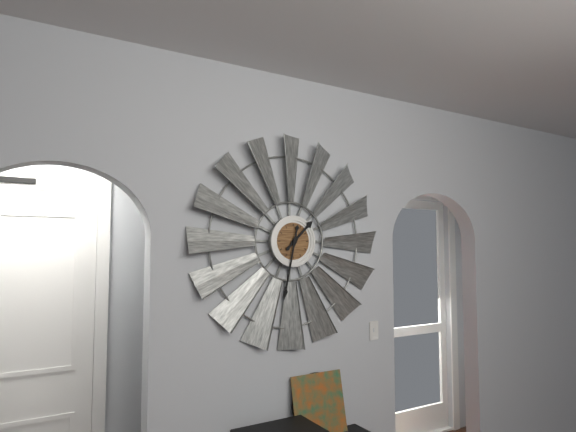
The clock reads h=1 m=32
